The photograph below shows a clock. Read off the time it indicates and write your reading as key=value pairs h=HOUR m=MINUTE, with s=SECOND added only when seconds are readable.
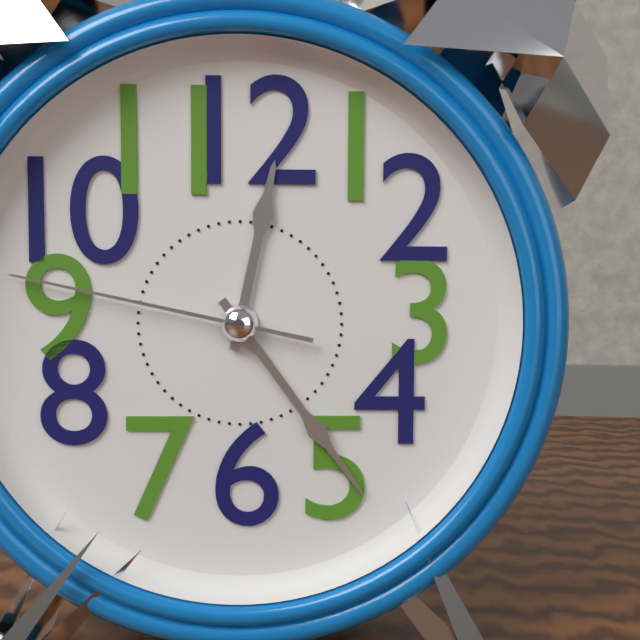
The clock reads h=12 m=24 s=47
